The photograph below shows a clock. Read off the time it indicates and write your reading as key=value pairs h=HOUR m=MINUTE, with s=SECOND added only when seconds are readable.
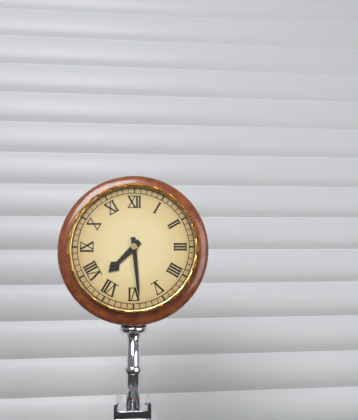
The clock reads h=7 m=29
